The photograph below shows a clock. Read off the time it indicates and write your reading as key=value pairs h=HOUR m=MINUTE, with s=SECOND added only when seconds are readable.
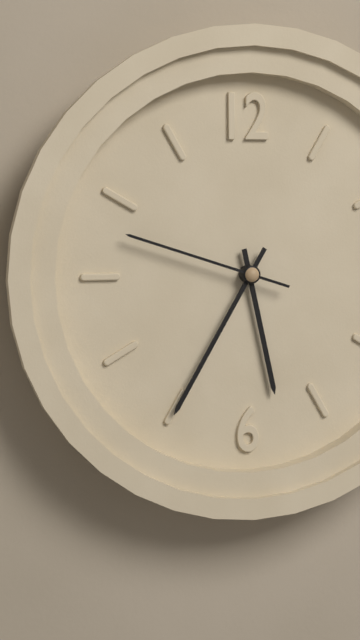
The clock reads h=5 m=35 s=48
